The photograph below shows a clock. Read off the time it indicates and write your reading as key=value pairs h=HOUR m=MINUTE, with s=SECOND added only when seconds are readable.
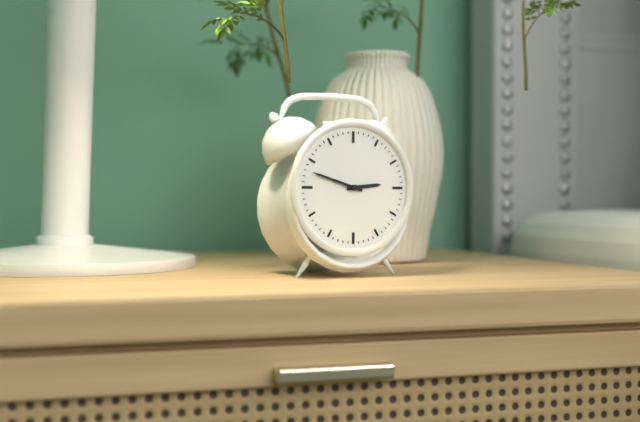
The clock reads h=2 m=48
